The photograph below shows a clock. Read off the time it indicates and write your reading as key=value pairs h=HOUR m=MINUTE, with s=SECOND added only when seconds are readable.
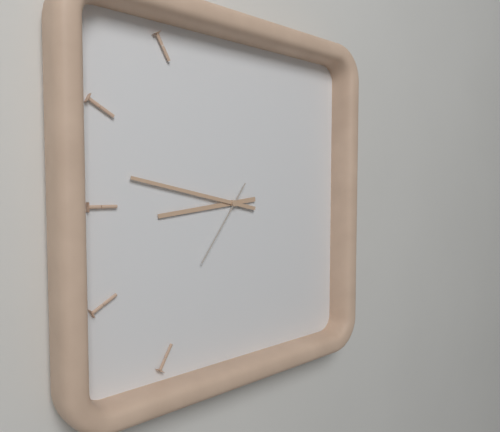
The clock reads h=8 m=47 s=36
